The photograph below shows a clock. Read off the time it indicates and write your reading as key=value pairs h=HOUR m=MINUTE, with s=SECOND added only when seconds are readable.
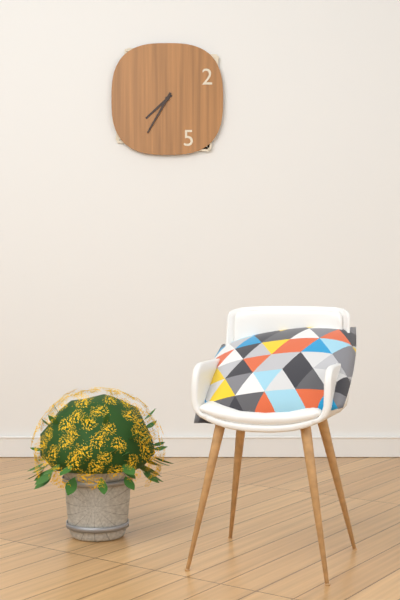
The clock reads h=7 m=35
